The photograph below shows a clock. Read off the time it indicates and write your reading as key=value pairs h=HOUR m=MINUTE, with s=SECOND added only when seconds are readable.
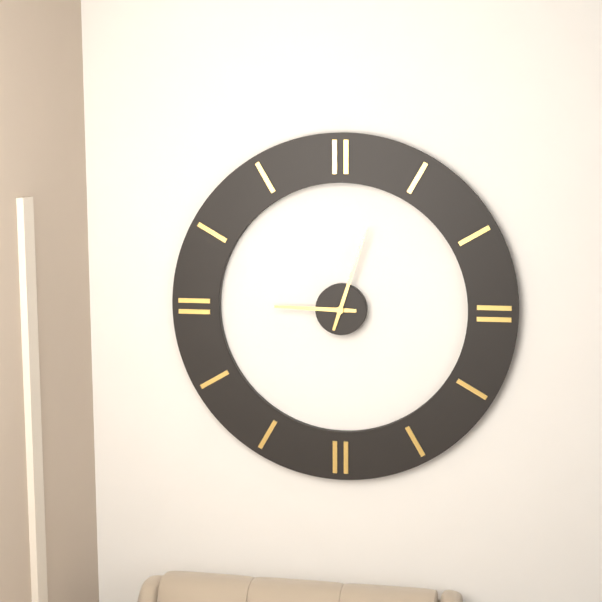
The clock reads h=9 m=3
